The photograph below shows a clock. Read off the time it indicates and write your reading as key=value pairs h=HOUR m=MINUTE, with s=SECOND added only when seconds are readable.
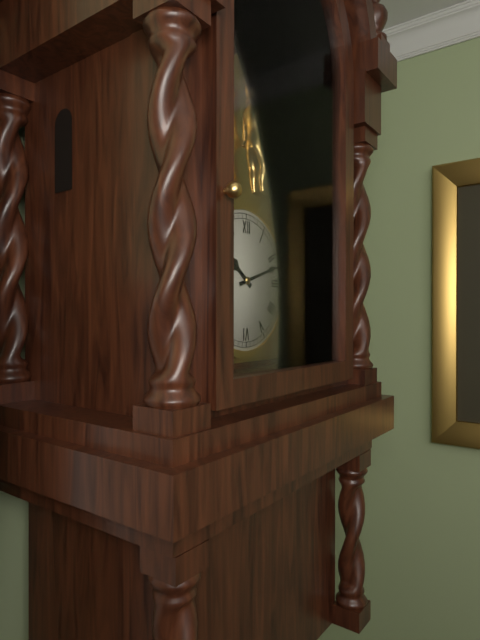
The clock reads h=10 m=12
